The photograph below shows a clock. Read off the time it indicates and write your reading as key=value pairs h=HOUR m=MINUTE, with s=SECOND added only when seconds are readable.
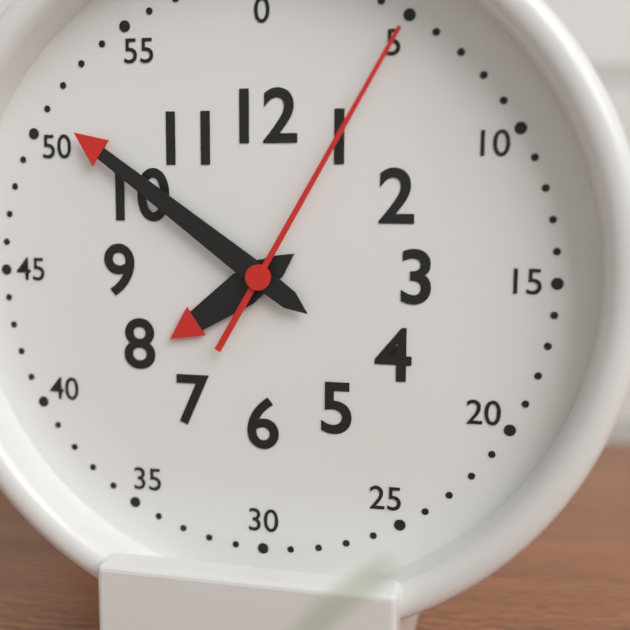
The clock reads h=7 m=51 s=5
